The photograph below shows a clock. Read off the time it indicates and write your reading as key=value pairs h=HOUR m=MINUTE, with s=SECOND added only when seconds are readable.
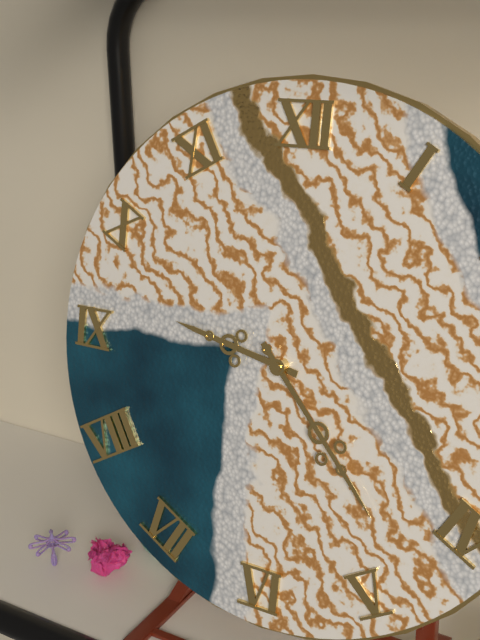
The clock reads h=9 m=23
